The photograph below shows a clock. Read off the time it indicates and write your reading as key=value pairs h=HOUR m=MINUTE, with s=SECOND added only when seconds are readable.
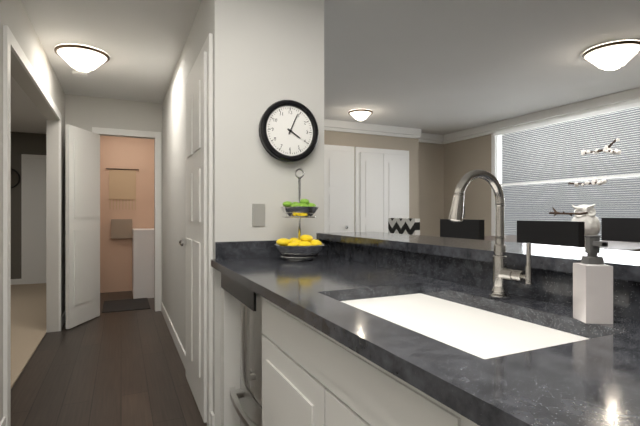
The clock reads h=4 m=4
